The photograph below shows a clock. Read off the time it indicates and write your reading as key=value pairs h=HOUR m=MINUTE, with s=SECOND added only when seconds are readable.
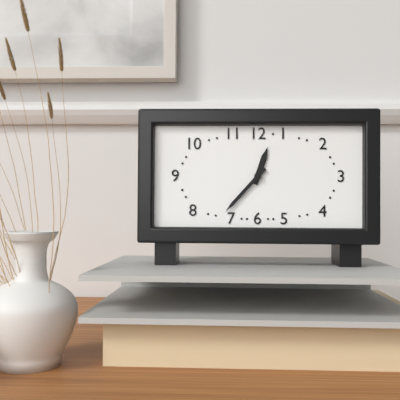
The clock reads h=12 m=37
